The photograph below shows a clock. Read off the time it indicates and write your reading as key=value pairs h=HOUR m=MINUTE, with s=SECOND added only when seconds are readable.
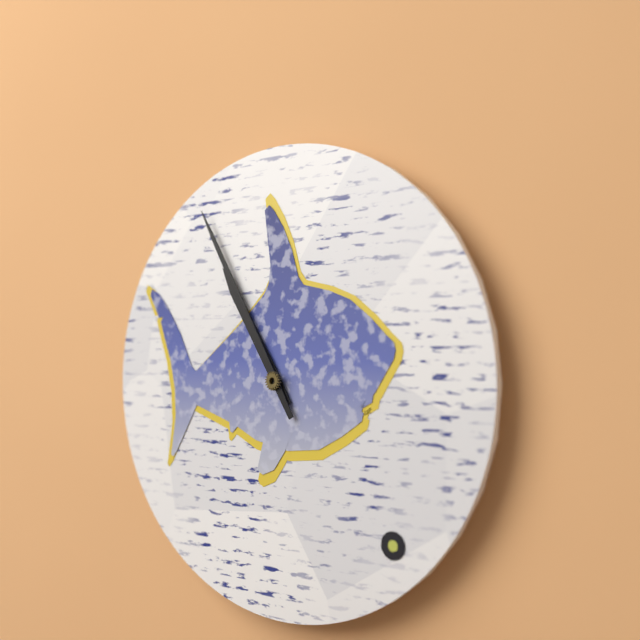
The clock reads h=10 m=55
